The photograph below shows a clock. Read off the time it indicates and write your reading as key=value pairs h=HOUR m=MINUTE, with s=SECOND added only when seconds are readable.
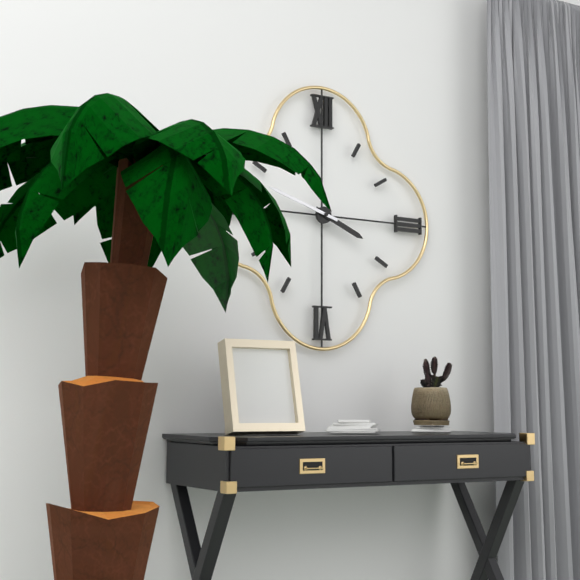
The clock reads h=3 m=48
